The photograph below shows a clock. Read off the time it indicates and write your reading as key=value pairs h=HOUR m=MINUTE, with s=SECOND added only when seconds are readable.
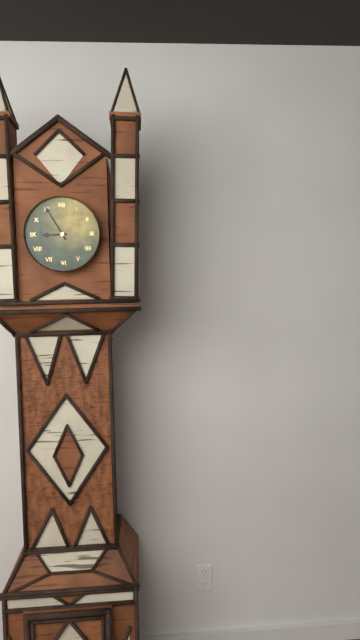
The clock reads h=8 m=55
